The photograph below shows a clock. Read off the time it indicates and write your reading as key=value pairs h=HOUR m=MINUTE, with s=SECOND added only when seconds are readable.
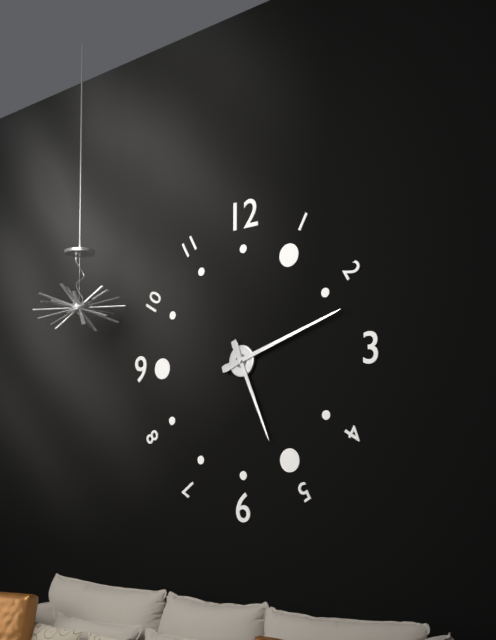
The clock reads h=5 m=12
